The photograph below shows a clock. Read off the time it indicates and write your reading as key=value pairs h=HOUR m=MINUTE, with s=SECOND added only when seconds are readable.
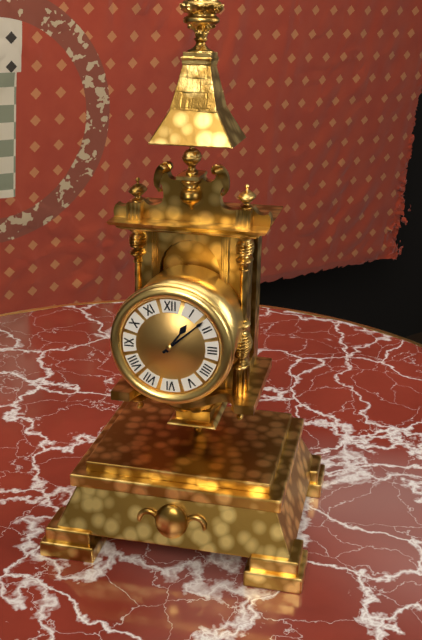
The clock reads h=1 m=8
